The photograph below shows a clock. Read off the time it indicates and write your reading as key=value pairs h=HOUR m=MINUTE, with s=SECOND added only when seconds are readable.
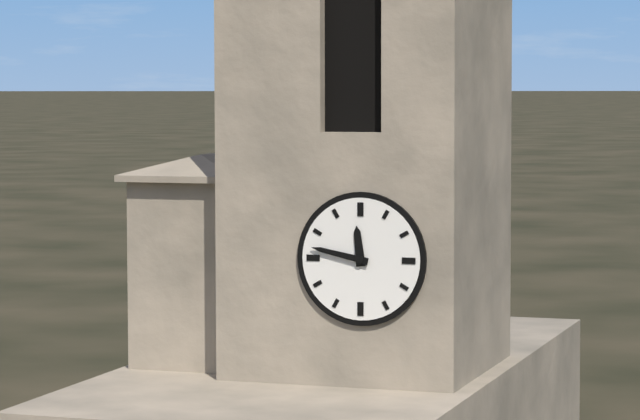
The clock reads h=11 m=47
